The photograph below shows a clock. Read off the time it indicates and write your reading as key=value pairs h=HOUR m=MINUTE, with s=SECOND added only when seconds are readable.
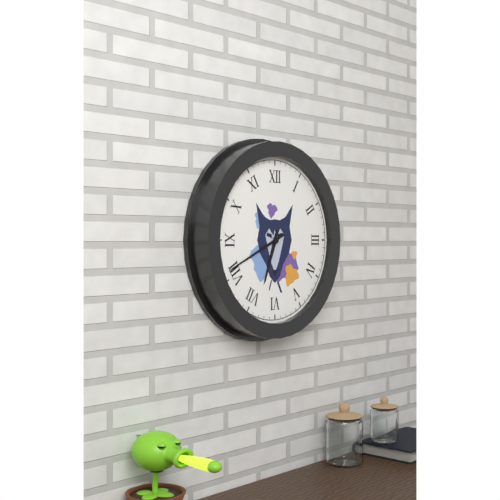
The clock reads h=6 m=41
